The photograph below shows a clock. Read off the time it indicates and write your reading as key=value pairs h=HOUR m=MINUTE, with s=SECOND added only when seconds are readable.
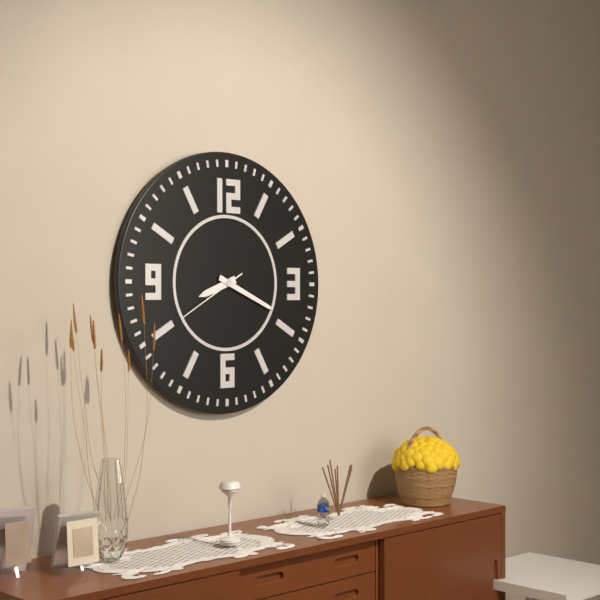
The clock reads h=8 m=19 s=40
